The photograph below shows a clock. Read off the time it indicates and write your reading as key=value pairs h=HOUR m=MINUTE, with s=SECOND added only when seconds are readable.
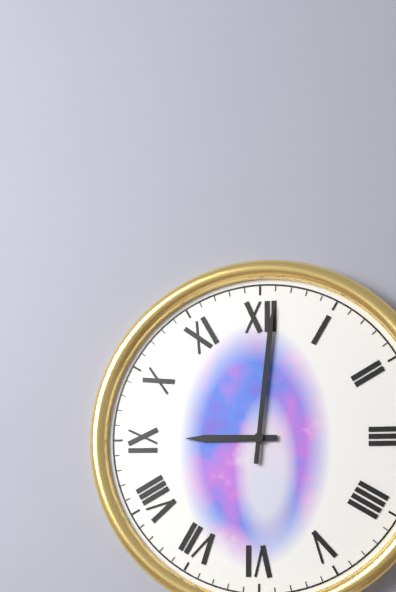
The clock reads h=9 m=1
